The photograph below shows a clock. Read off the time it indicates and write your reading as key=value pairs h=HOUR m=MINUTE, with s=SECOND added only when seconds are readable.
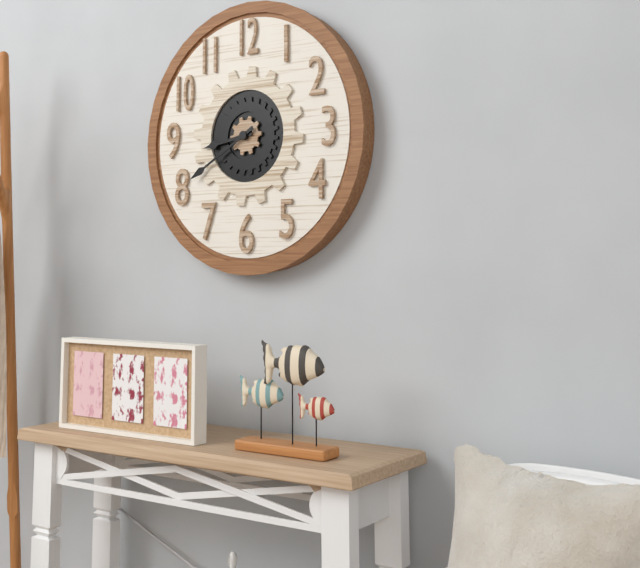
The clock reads h=8 m=40
